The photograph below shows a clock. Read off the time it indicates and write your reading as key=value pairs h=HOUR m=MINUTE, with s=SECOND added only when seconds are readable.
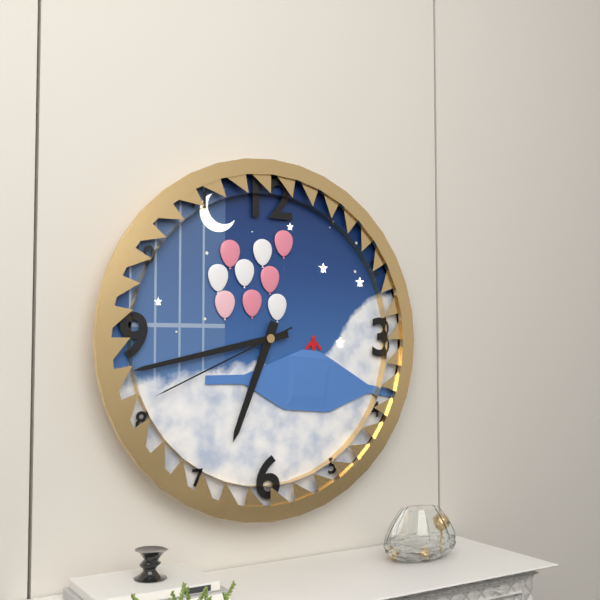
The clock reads h=6 m=43 s=41
